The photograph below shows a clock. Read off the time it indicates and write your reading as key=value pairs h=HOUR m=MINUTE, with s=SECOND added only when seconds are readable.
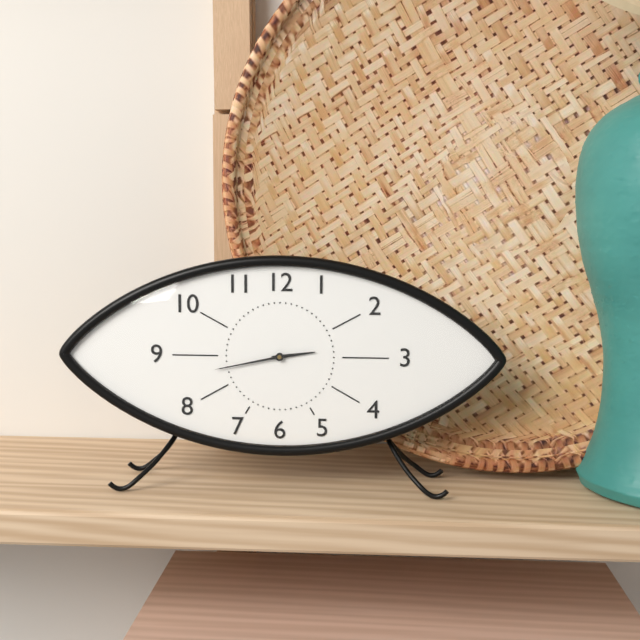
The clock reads h=2 m=43
